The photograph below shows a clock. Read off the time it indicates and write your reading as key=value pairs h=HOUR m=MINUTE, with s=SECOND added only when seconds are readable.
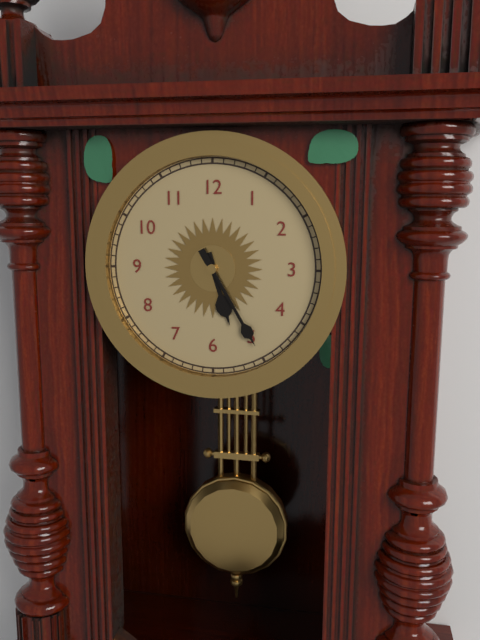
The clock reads h=5 m=25
